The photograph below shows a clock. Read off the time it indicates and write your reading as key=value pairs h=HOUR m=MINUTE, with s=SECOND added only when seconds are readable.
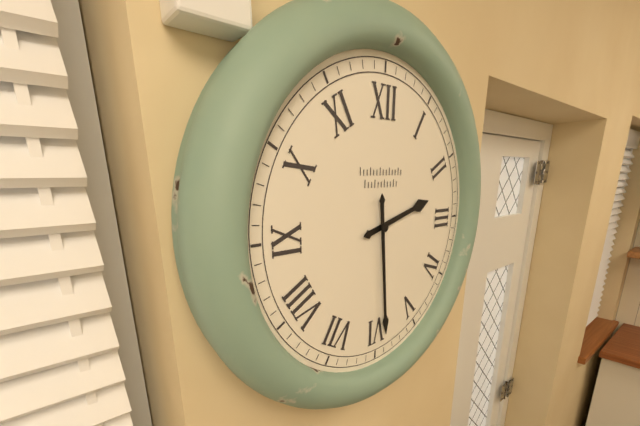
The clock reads h=2 m=29
